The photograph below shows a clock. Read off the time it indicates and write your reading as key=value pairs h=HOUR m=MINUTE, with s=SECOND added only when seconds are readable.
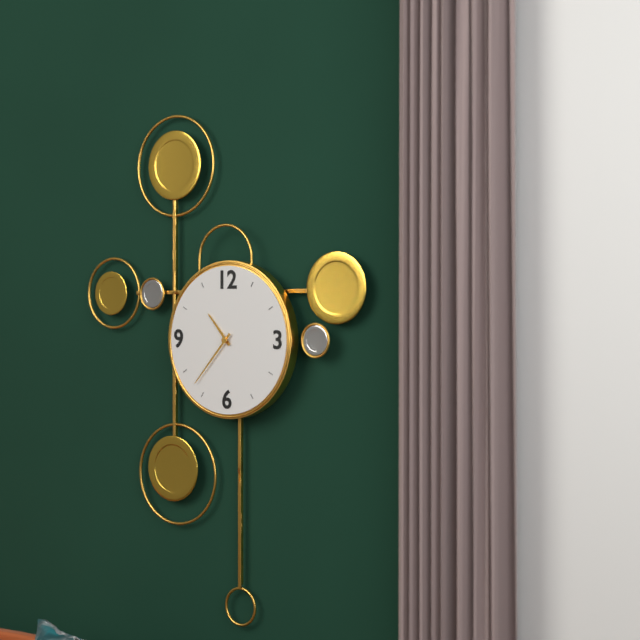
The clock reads h=10 m=37
